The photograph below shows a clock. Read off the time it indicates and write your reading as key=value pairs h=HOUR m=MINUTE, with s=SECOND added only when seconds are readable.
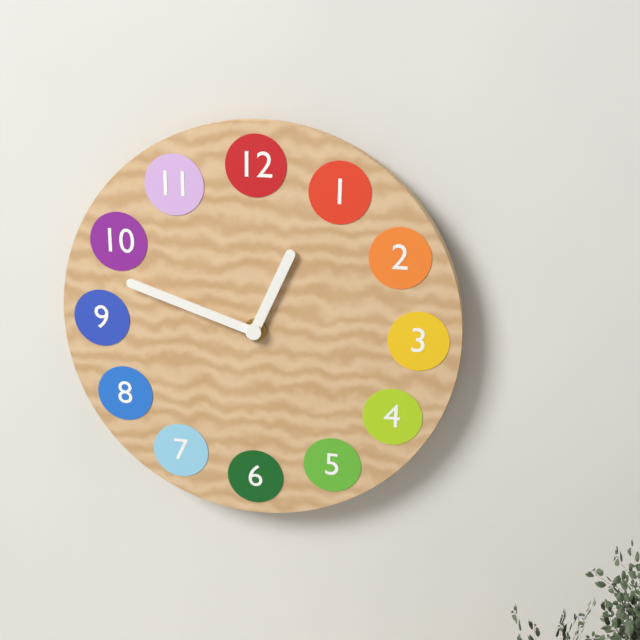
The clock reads h=12 m=48
